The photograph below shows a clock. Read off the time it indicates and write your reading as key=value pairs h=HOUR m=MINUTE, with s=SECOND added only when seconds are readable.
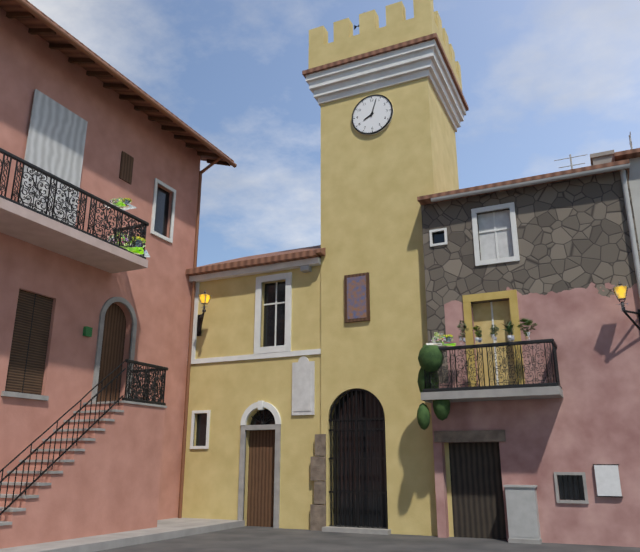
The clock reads h=8 m=3
